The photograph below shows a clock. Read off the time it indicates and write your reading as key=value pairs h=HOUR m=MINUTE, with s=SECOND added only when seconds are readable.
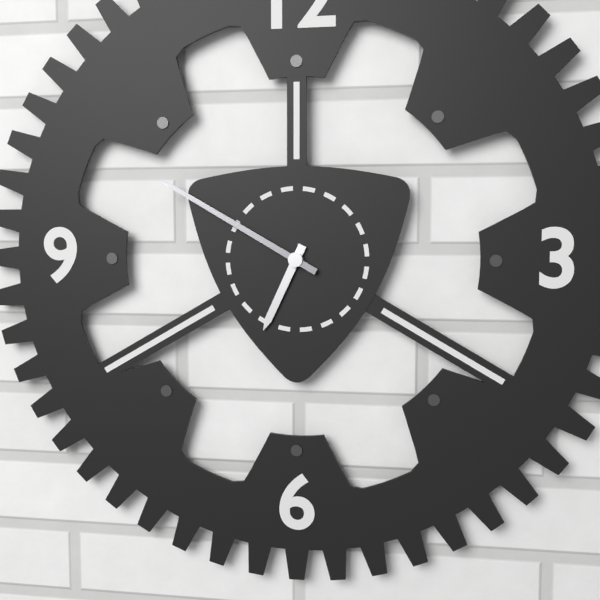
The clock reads h=6 m=50
